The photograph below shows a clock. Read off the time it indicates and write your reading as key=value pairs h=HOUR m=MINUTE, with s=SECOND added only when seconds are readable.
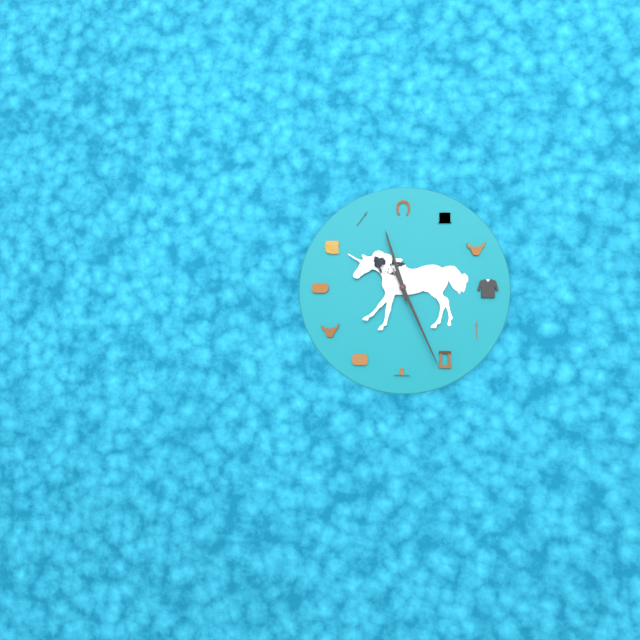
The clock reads h=11 m=26
